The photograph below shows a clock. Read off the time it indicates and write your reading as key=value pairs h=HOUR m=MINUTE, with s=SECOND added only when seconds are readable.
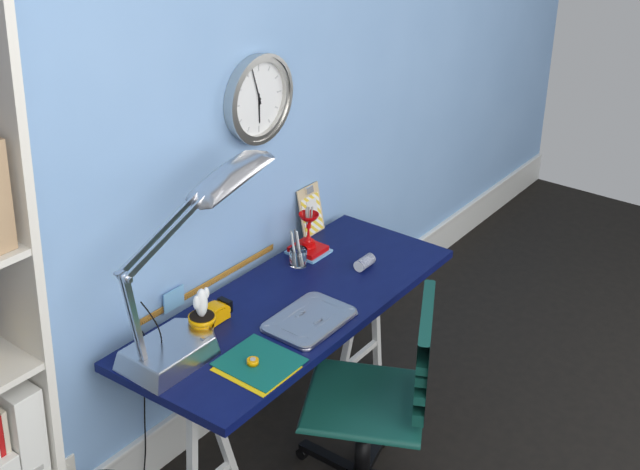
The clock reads h=5 m=57
